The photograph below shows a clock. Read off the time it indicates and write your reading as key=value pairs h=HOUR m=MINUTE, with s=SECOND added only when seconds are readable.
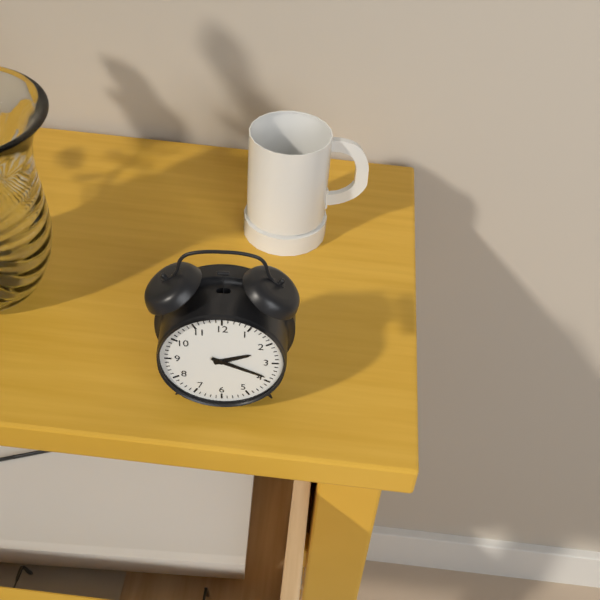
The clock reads h=2 m=19
